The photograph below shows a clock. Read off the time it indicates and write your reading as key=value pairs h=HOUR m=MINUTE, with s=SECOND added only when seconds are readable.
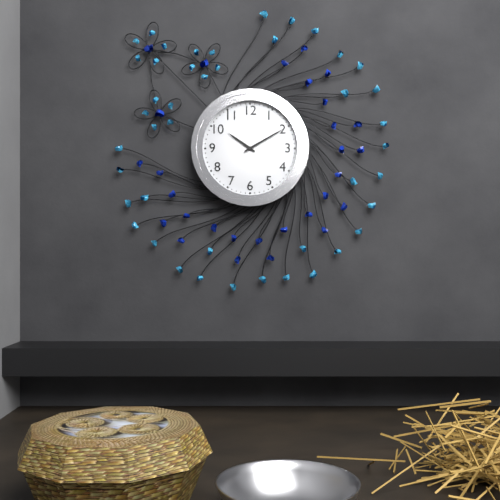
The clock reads h=10 m=10
